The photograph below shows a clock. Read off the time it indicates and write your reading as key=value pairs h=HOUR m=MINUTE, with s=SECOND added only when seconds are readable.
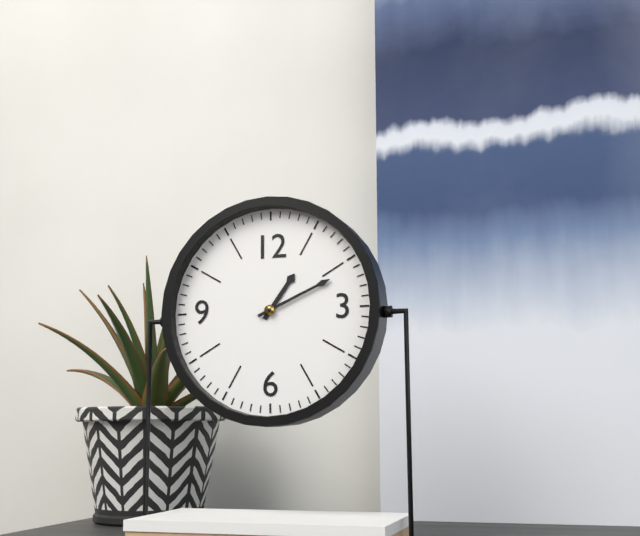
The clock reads h=1 m=11
